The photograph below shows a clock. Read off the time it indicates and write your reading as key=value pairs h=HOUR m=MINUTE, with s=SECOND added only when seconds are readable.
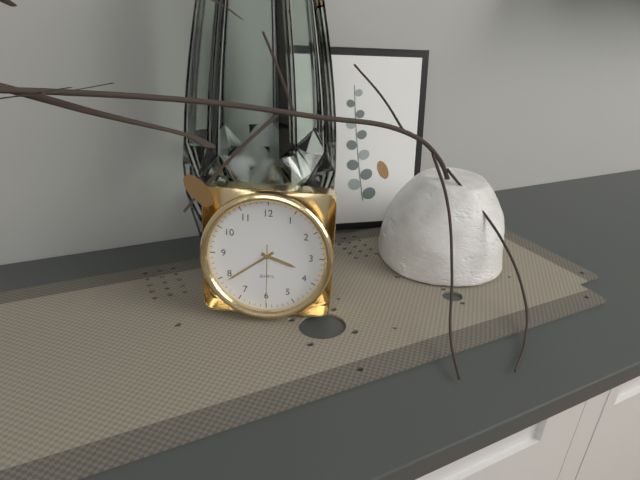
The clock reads h=3 m=39 s=30
